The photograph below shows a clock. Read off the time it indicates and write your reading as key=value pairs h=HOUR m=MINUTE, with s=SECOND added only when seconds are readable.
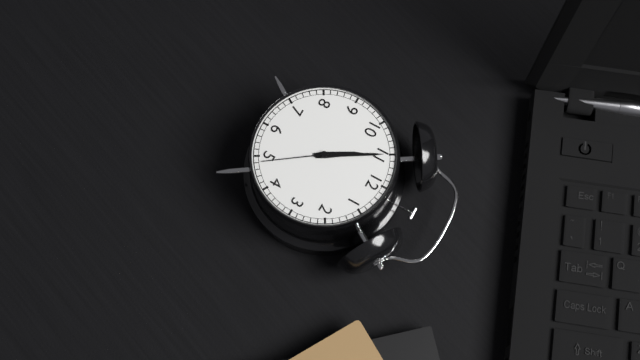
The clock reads h=10 m=55 s=24
